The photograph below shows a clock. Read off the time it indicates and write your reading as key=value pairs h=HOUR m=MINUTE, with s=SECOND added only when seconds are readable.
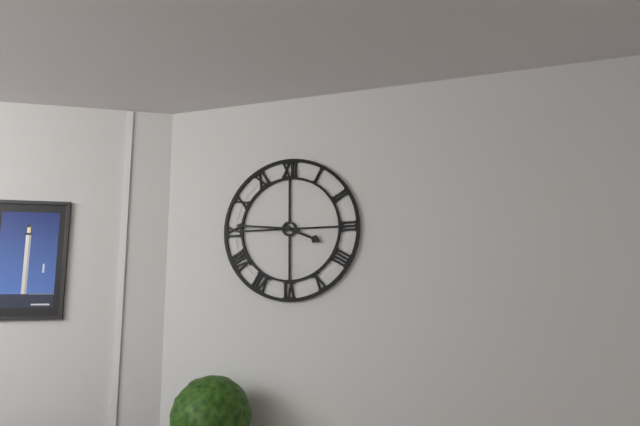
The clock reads h=3 m=46
